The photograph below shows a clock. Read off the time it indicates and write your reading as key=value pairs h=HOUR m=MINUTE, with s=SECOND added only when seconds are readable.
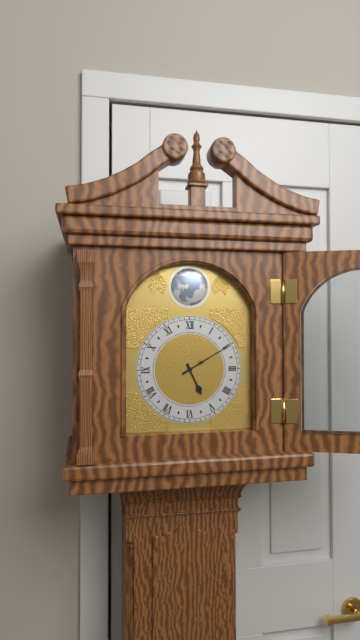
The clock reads h=5 m=10
